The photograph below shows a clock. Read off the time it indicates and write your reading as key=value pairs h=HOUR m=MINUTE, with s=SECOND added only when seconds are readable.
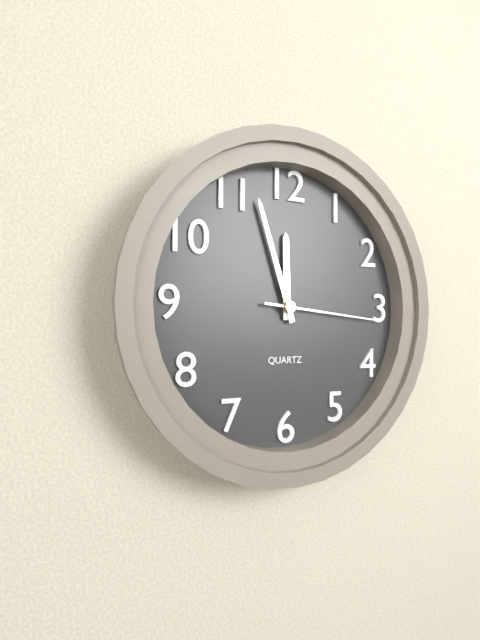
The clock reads h=11 m=57 s=16
